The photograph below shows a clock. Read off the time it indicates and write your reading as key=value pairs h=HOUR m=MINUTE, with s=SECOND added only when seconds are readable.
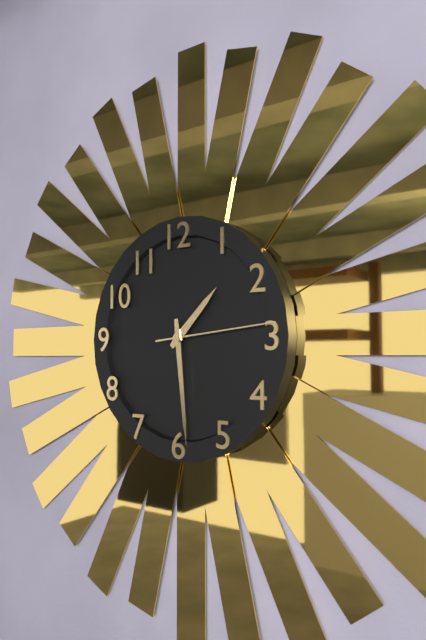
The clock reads h=1 m=29 s=14
